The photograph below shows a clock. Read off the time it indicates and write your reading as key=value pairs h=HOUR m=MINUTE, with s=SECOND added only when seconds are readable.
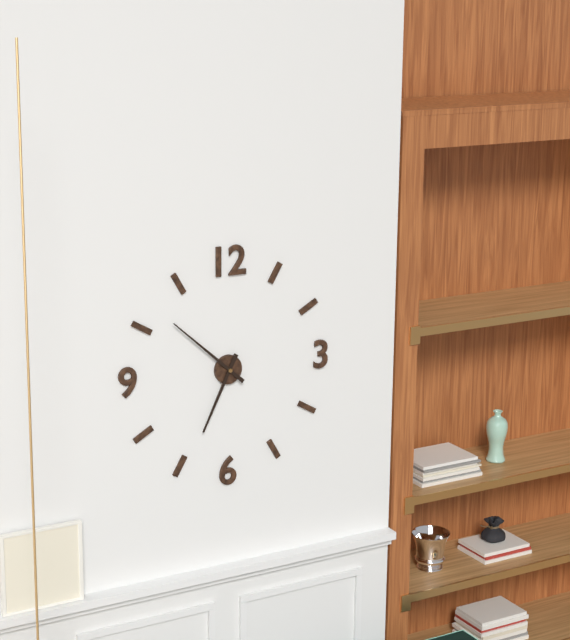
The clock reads h=6 m=52
